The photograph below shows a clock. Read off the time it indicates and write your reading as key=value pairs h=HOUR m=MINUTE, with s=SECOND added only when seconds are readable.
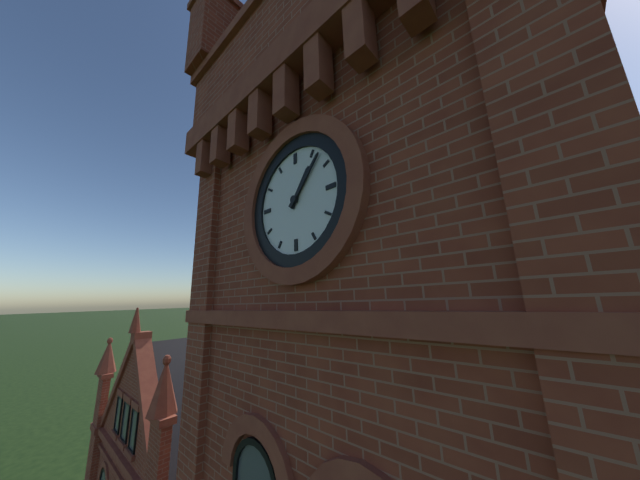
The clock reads h=1 m=7
